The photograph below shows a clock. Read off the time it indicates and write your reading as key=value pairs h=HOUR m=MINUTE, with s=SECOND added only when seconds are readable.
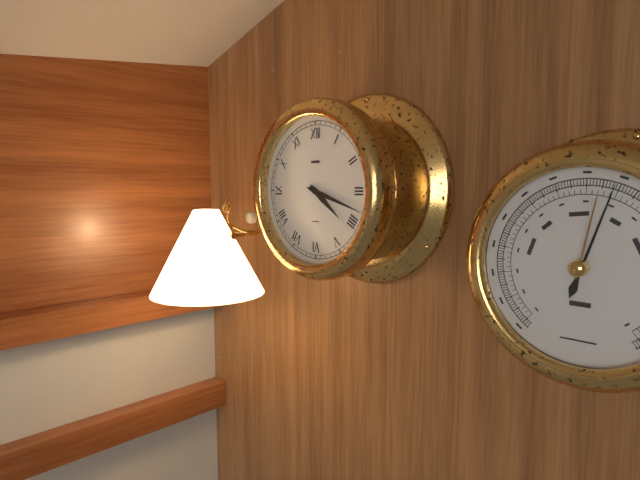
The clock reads h=4 m=18
